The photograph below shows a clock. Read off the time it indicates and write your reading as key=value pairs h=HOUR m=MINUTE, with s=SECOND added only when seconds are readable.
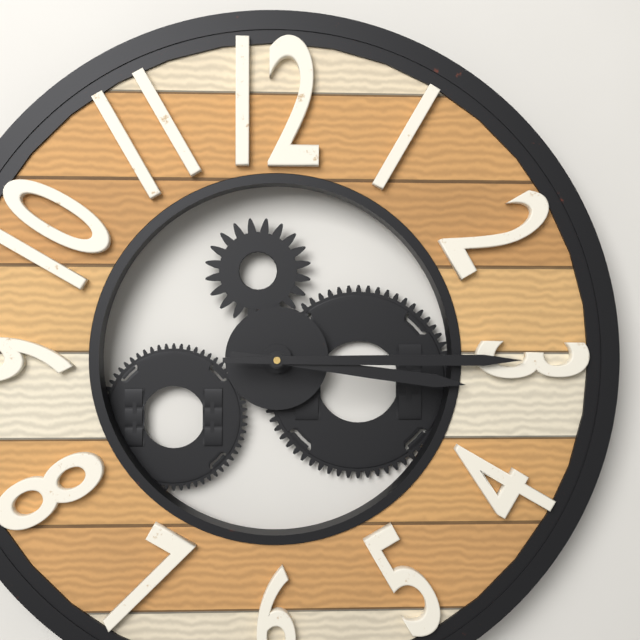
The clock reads h=3 m=15
